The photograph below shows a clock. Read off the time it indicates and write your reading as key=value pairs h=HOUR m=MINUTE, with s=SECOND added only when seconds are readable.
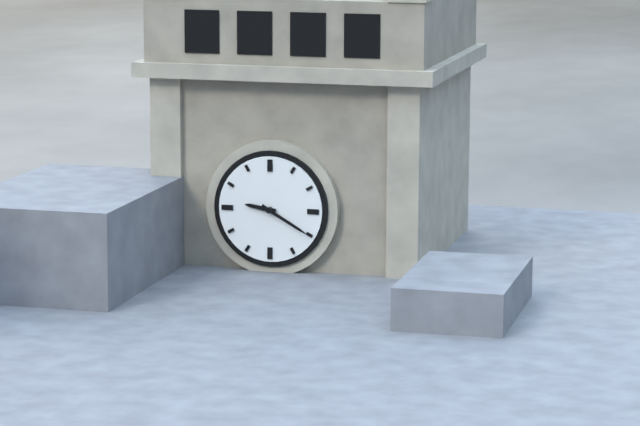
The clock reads h=9 m=20
